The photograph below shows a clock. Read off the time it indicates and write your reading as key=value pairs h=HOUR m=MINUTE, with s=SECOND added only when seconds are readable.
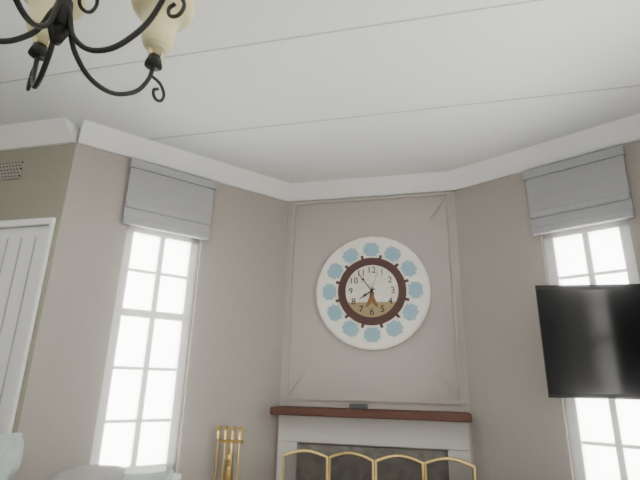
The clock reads h=7 m=54
